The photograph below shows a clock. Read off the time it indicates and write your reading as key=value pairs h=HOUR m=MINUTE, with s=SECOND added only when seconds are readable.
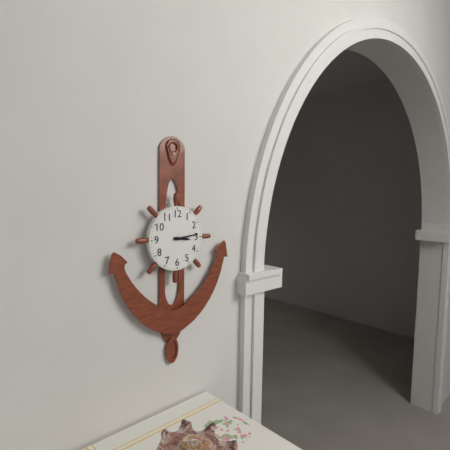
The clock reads h=3 m=14
